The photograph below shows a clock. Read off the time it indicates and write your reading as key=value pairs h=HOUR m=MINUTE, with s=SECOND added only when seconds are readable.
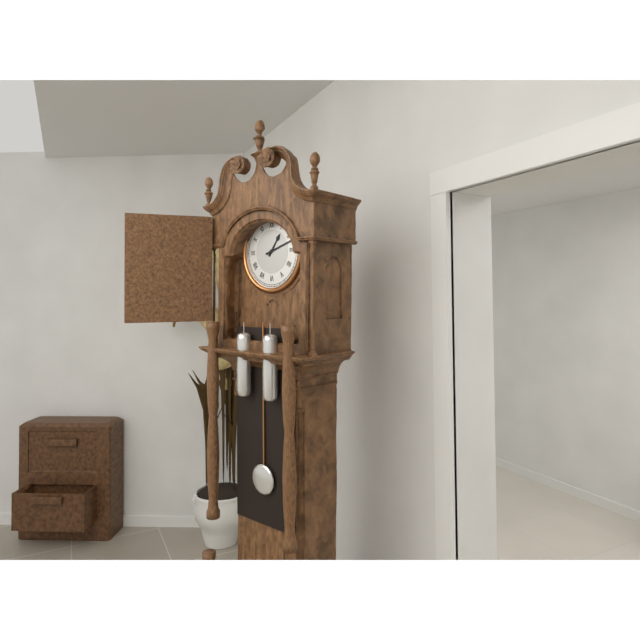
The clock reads h=1 m=12
